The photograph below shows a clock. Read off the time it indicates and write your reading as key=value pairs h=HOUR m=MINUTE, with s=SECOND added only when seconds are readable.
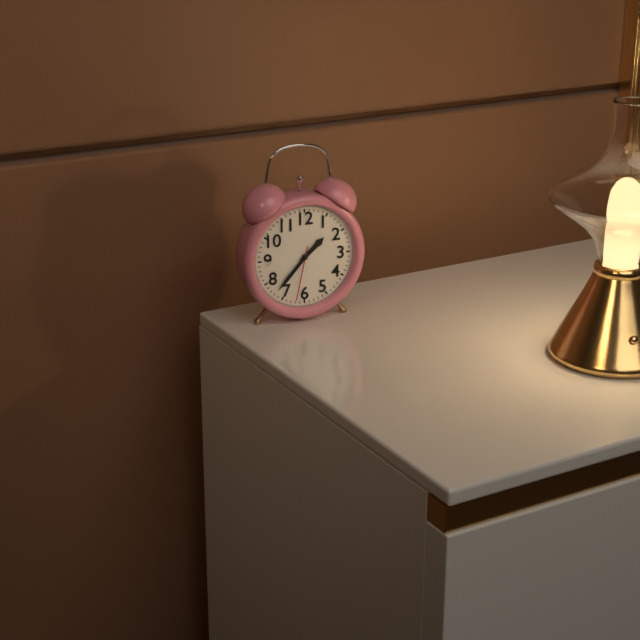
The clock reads h=1 m=37 s=32
